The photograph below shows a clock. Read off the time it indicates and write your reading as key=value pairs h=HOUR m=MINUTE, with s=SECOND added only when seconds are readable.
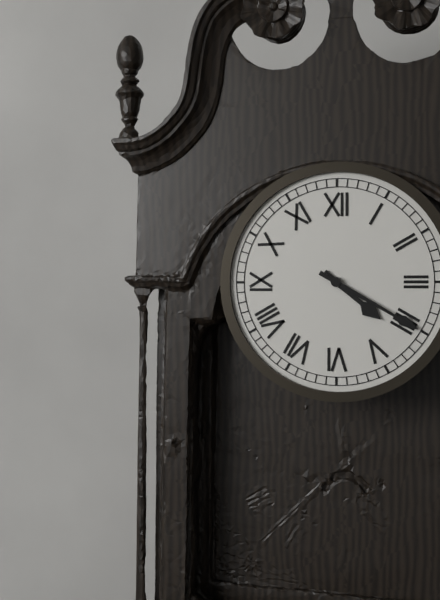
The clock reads h=4 m=20
